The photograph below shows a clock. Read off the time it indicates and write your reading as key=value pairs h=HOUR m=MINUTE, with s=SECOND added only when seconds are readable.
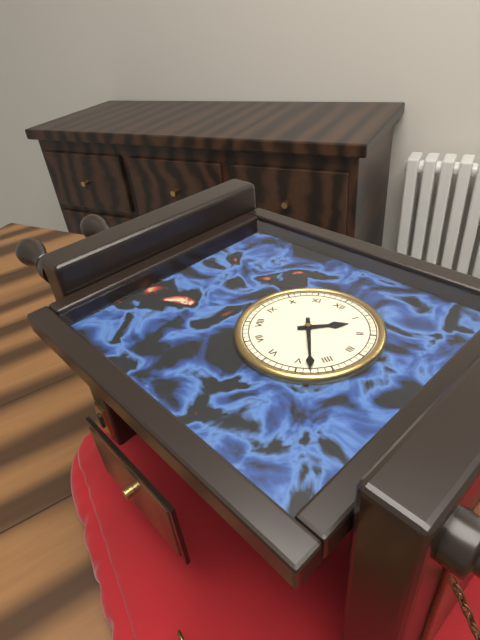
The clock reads h=1 m=23
